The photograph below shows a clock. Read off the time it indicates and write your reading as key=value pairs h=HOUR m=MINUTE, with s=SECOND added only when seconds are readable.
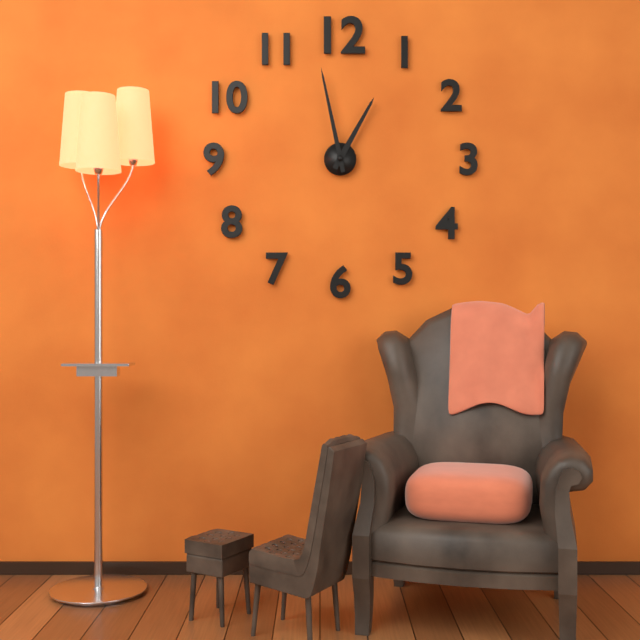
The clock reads h=12 m=58
